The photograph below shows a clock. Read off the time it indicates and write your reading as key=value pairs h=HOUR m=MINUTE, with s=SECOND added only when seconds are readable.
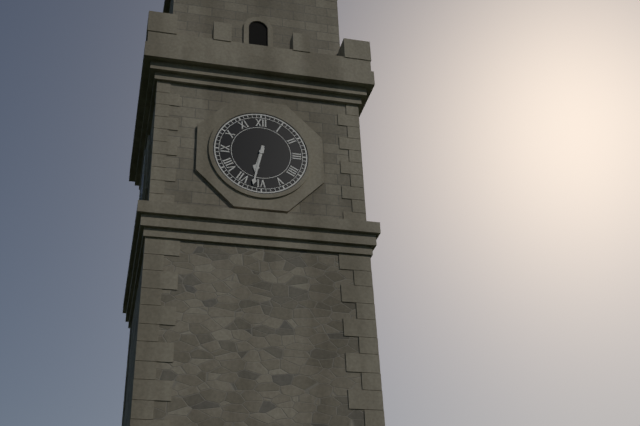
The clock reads h=6 m=32
